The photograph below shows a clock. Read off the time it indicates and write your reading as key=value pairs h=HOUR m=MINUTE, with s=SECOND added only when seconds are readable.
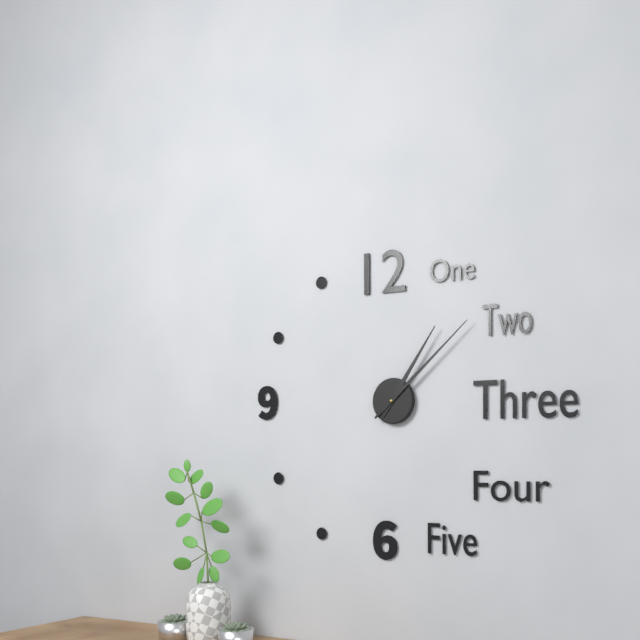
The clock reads h=1 m=8
